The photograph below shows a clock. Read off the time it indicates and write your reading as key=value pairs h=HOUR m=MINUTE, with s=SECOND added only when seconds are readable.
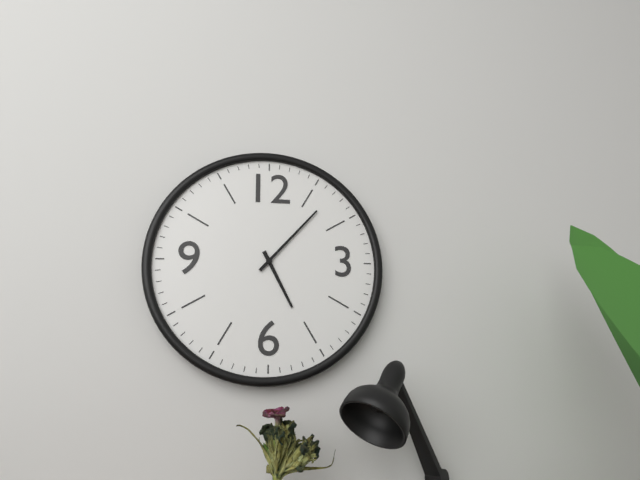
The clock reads h=5 m=7
